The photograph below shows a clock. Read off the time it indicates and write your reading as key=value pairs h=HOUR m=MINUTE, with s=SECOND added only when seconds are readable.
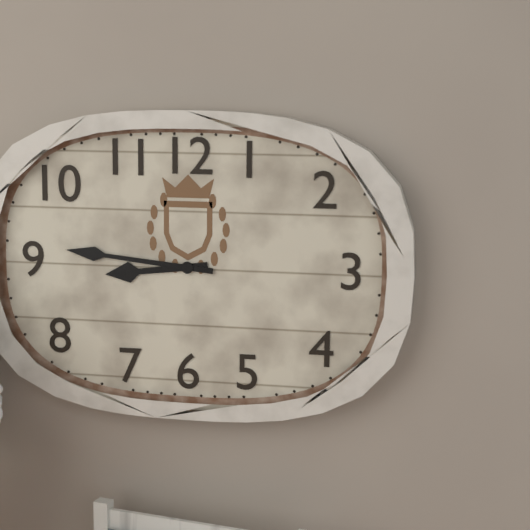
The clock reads h=8 m=46
